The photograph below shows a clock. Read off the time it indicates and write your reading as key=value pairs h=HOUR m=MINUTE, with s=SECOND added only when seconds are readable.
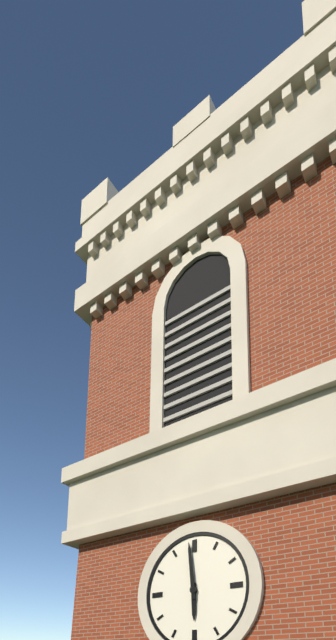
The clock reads h=5 m=59
